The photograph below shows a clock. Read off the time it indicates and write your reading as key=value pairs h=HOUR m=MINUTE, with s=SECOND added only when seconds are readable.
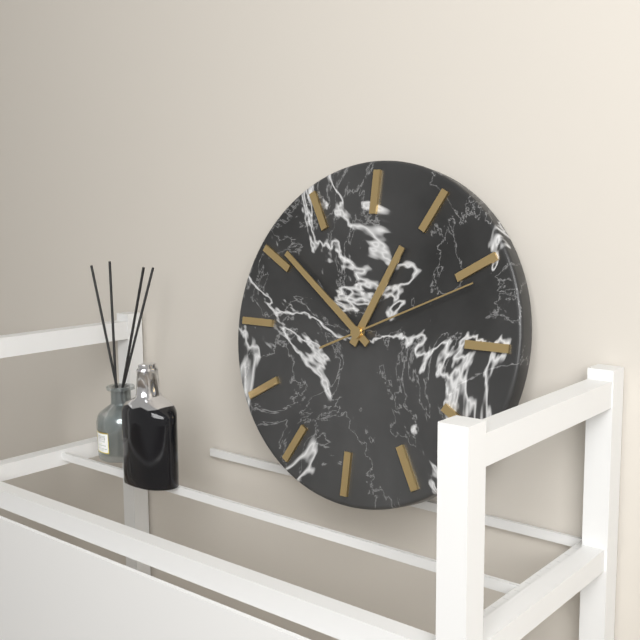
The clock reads h=12 m=51 s=11
